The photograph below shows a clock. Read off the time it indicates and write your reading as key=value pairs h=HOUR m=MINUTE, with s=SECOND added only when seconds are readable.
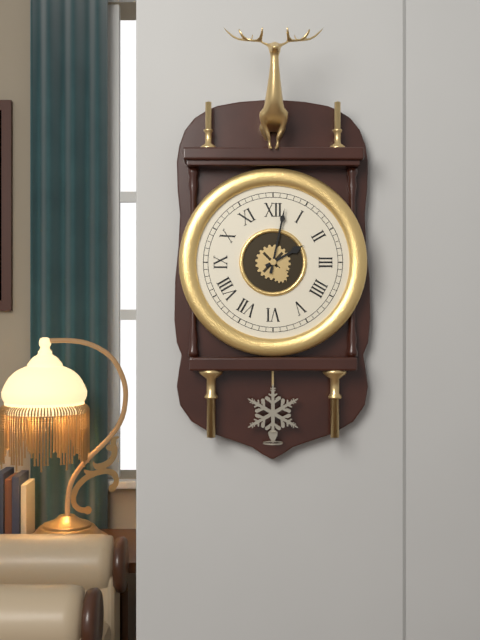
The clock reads h=2 m=2
